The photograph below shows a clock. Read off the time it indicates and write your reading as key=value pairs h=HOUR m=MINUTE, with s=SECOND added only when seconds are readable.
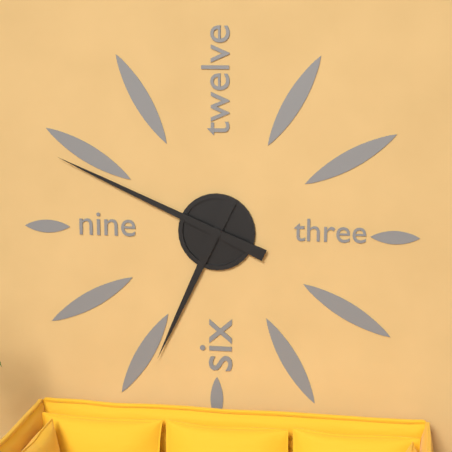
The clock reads h=6 m=49
